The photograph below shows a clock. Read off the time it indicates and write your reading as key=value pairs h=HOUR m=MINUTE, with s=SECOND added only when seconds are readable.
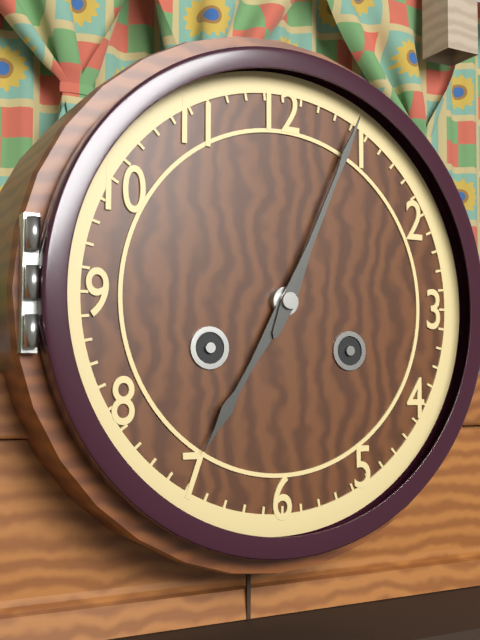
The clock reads h=7 m=4
